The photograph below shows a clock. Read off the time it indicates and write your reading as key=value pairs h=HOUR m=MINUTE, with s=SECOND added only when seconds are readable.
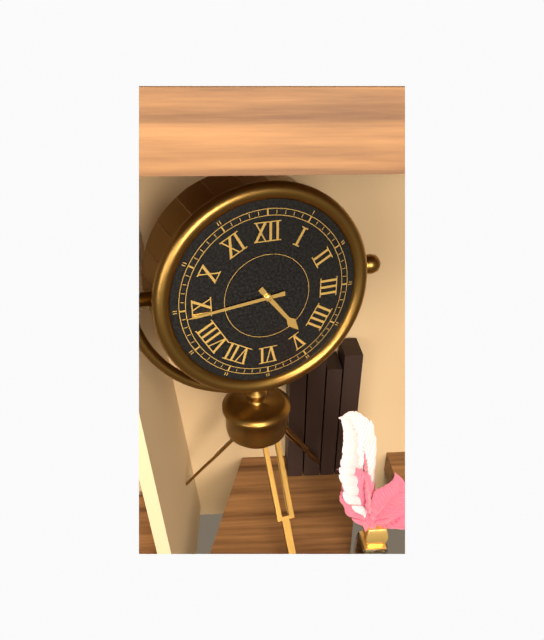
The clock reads h=4 m=44
